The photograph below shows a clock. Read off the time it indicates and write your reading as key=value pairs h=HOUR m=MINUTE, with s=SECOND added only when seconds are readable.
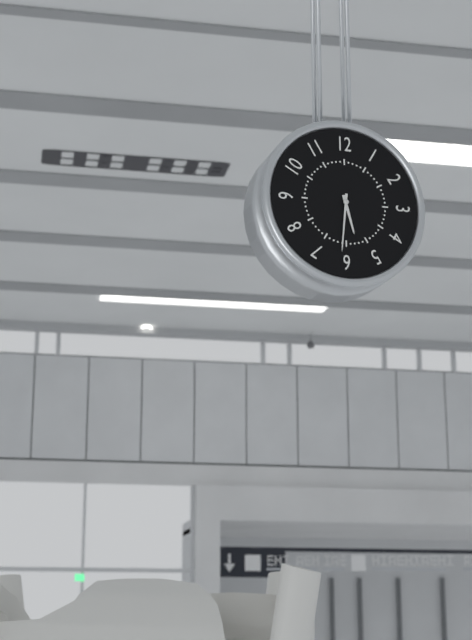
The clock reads h=5 m=31
